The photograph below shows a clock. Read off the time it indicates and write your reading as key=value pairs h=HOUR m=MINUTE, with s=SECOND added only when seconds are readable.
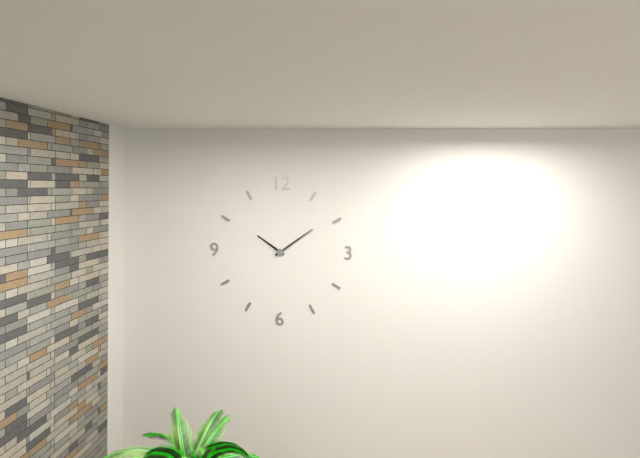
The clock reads h=10 m=9
